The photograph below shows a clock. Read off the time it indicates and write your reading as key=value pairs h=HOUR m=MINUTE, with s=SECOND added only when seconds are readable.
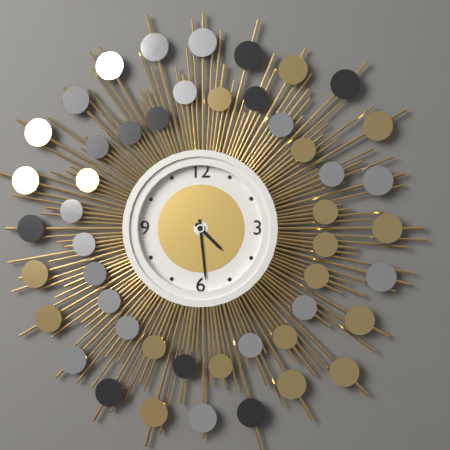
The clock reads h=4 m=29
